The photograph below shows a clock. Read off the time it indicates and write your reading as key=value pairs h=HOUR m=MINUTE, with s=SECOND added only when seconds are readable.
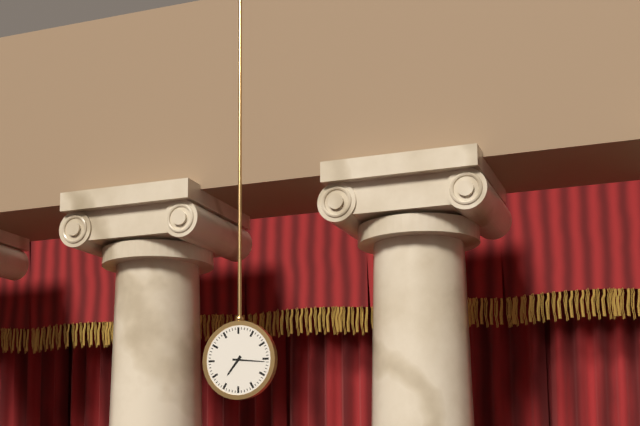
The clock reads h=7 m=16
